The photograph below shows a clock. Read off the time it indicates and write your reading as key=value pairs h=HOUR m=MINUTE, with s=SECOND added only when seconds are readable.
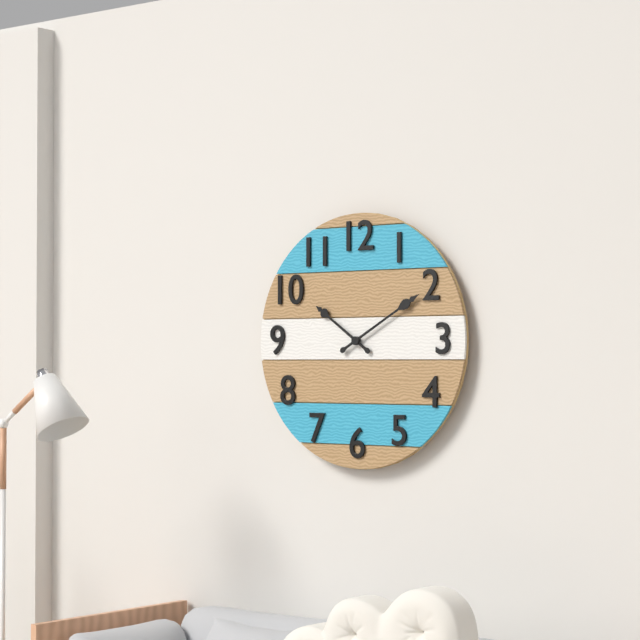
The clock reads h=10 m=10
